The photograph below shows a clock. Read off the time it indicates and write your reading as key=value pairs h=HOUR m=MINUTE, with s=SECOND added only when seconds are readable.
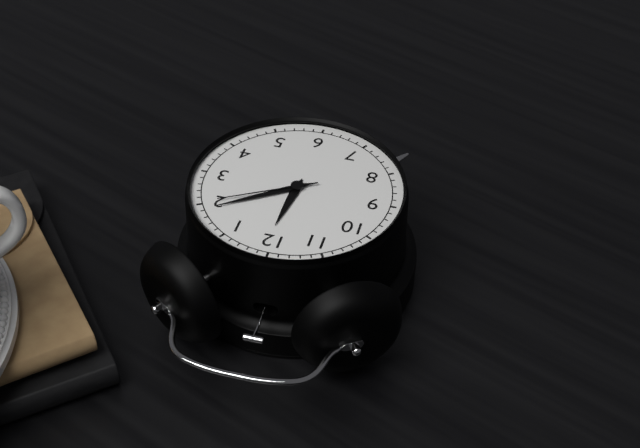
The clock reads h=12 m=9 s=10
